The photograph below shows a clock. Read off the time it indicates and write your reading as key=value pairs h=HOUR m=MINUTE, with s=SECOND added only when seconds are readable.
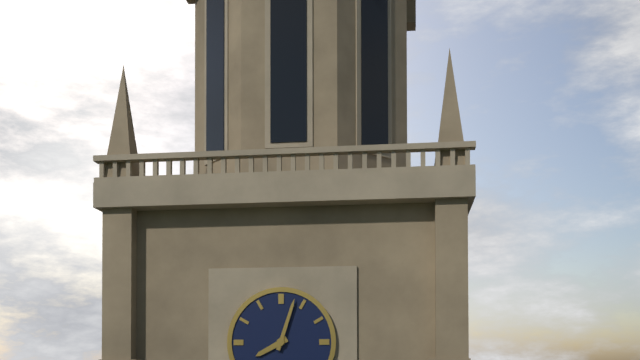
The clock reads h=8 m=3
